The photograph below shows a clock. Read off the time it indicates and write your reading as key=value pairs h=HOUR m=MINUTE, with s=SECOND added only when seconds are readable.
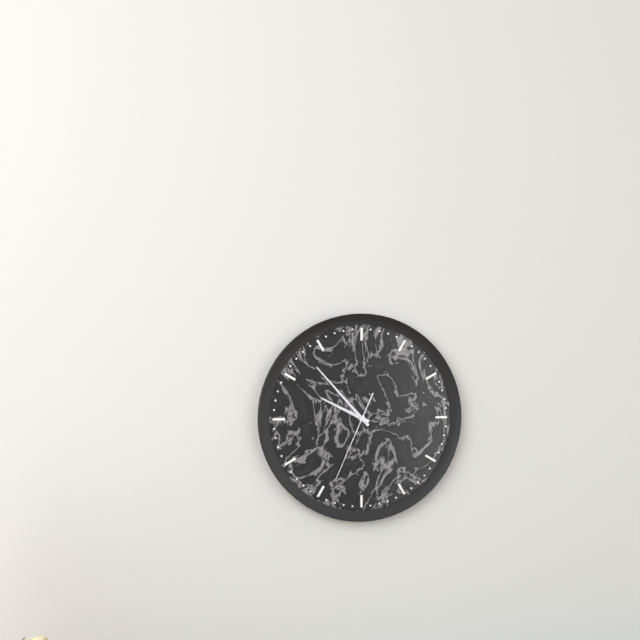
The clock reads h=9 m=53 s=34
